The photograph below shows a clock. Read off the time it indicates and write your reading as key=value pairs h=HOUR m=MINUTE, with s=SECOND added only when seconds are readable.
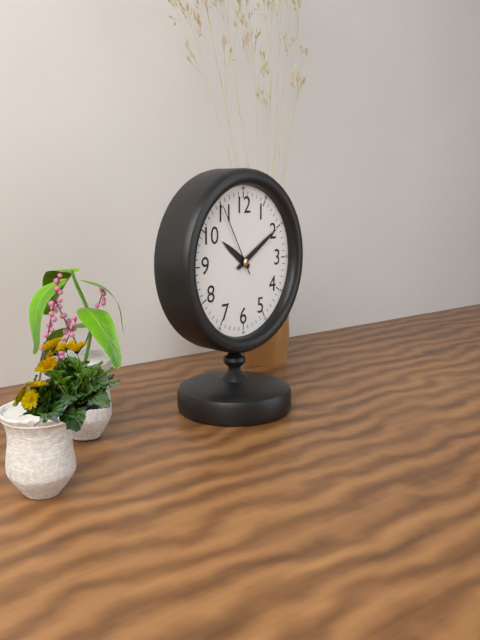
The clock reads h=10 m=10 s=55
